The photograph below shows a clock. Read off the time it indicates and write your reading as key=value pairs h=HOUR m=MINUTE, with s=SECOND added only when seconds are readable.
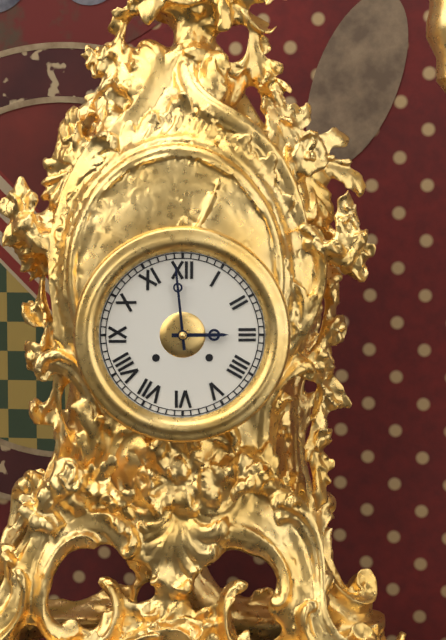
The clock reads h=2 m=59
